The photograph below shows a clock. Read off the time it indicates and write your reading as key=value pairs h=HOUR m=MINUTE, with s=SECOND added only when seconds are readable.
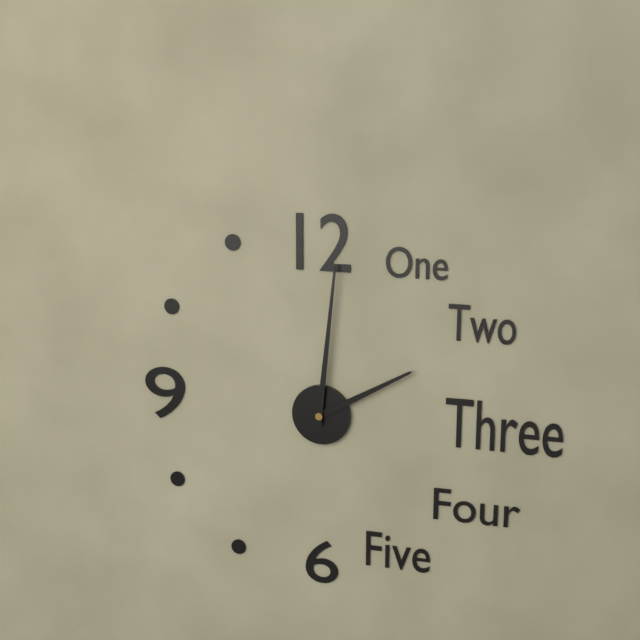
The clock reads h=2 m=1
